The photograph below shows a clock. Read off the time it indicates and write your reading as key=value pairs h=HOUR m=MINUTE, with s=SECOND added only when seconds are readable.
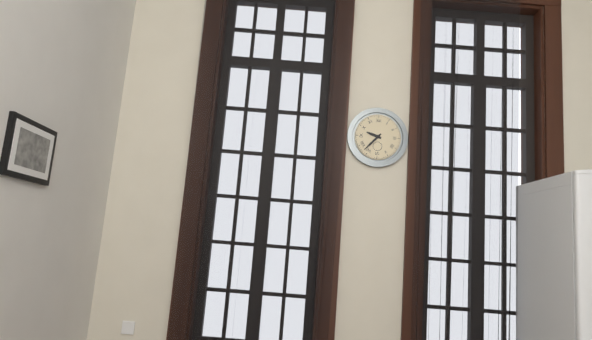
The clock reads h=9 m=37
